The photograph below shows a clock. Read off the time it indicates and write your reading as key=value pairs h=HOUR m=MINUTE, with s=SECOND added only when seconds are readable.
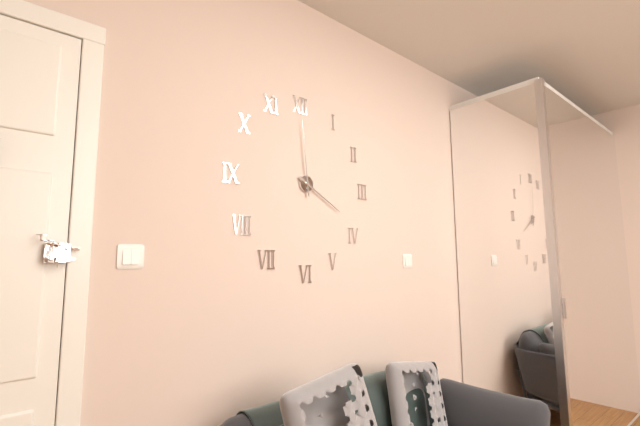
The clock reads h=3 m=59
